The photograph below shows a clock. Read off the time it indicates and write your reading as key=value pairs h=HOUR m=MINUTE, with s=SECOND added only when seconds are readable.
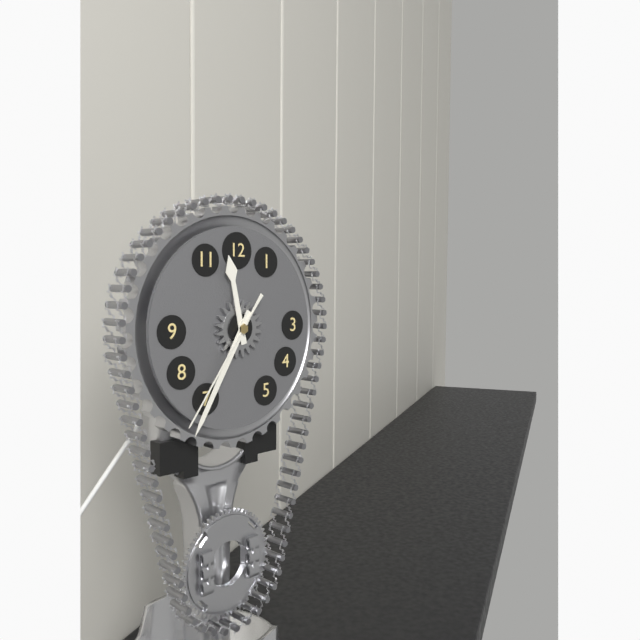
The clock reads h=11 m=35 s=36
